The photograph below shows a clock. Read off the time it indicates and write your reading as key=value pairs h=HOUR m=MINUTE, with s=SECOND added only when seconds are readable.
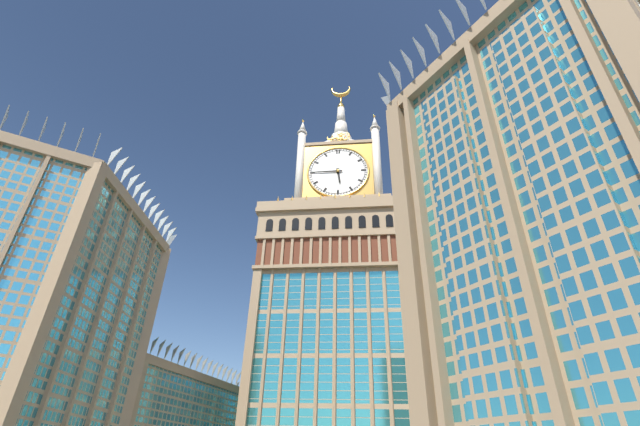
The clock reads h=5 m=45
